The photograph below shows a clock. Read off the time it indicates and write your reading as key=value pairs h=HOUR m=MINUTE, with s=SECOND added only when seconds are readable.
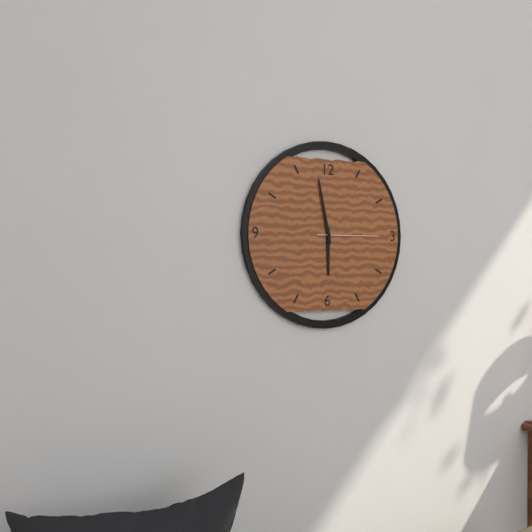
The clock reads h=5 m=58 s=15
